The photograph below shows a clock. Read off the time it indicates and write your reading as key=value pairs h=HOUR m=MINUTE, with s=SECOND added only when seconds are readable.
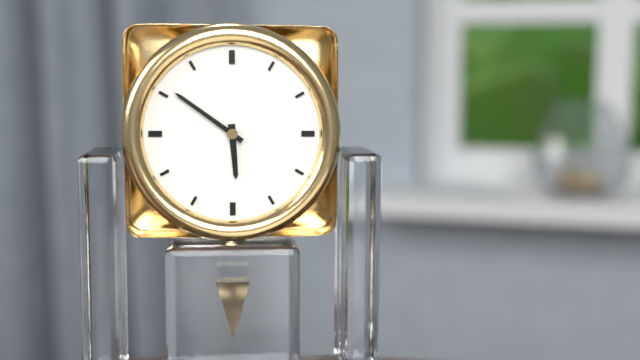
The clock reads h=5 m=51
